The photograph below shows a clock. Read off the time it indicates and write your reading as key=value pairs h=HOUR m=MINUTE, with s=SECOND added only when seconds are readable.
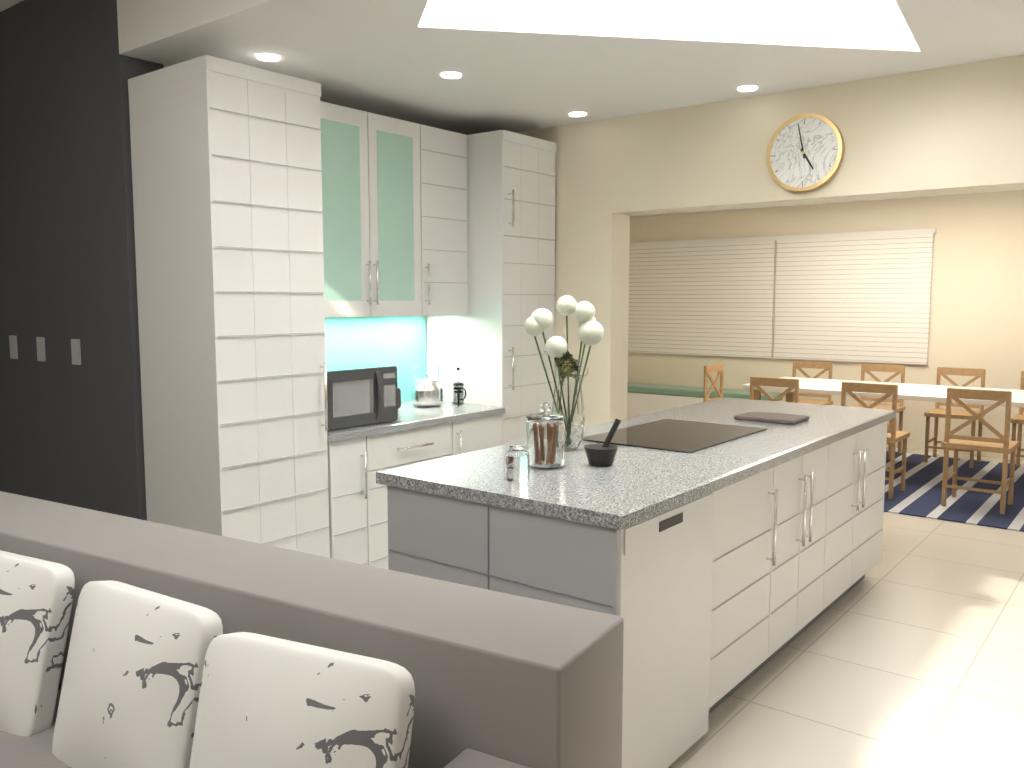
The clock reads h=4 m=58
